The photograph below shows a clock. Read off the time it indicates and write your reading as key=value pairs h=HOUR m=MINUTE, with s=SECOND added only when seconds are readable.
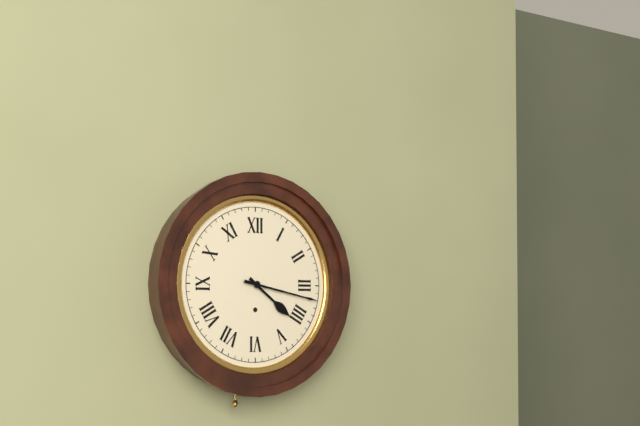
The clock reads h=4 m=17
